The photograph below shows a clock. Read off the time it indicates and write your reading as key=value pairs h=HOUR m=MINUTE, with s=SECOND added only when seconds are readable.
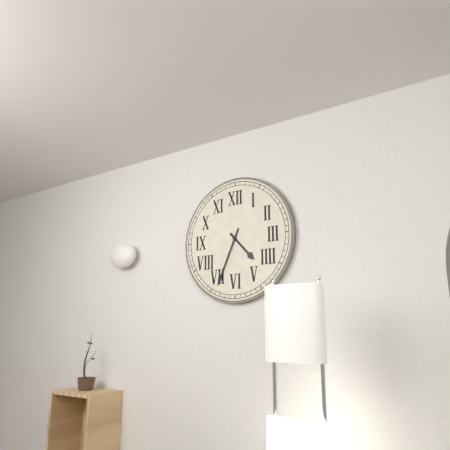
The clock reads h=4 m=34
